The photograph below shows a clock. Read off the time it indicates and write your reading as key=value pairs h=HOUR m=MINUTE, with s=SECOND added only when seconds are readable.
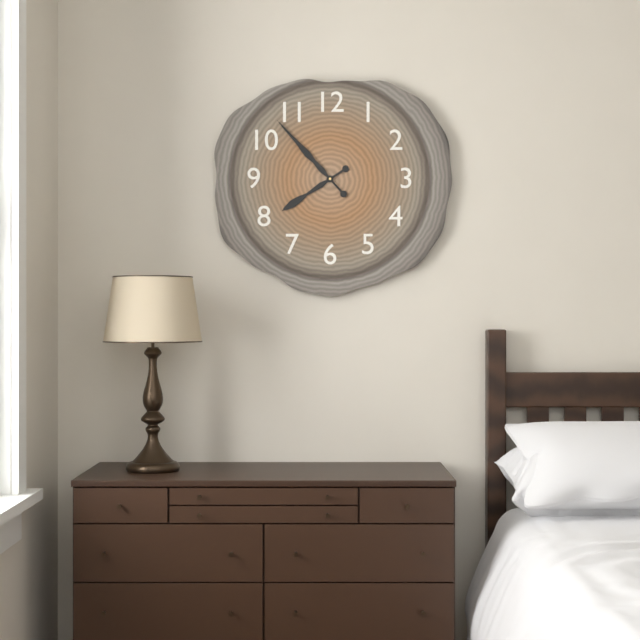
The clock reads h=7 m=53
